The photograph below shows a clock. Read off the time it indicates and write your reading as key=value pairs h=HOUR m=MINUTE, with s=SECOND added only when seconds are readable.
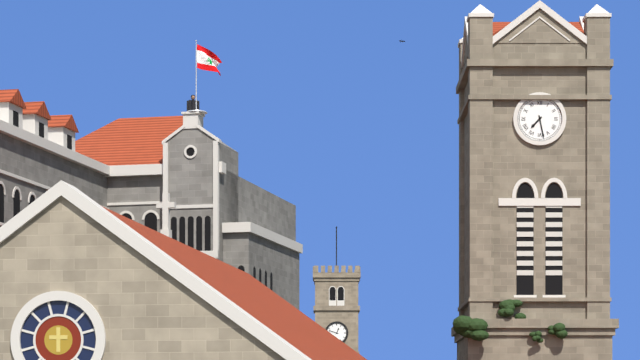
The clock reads h=7 m=28
